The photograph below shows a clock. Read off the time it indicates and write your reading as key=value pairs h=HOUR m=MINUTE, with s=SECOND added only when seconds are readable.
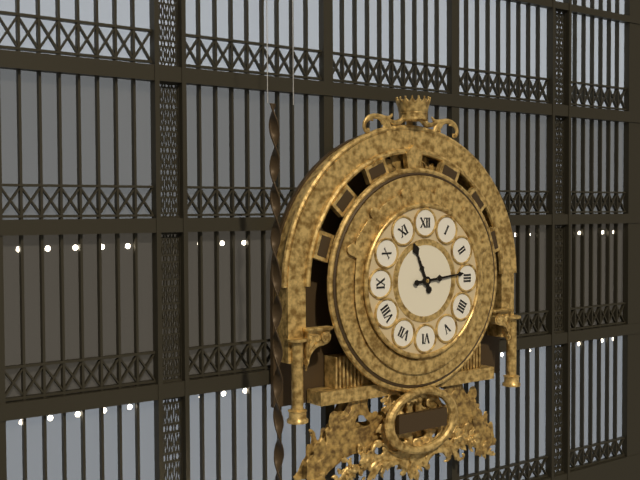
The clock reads h=11 m=14
